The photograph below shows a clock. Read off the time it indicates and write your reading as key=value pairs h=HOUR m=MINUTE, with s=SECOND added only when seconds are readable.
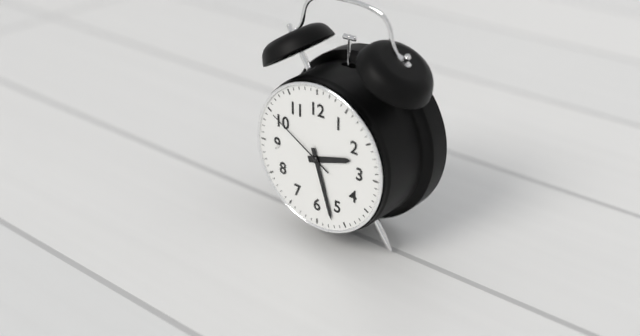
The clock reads h=2 m=27 s=50
